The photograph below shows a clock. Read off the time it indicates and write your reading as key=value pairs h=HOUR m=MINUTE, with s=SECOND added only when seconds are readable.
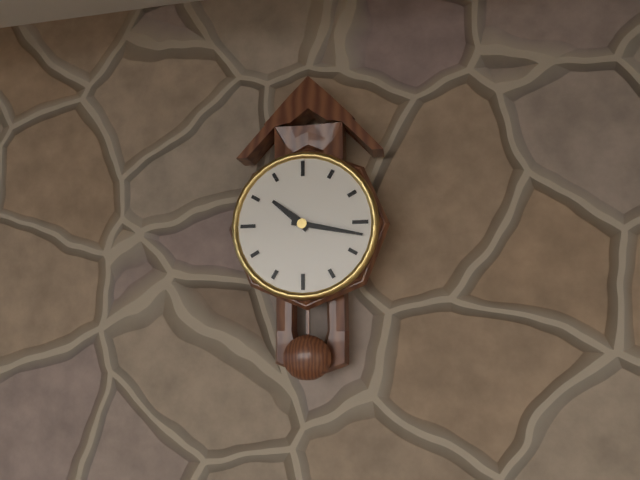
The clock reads h=10 m=17
